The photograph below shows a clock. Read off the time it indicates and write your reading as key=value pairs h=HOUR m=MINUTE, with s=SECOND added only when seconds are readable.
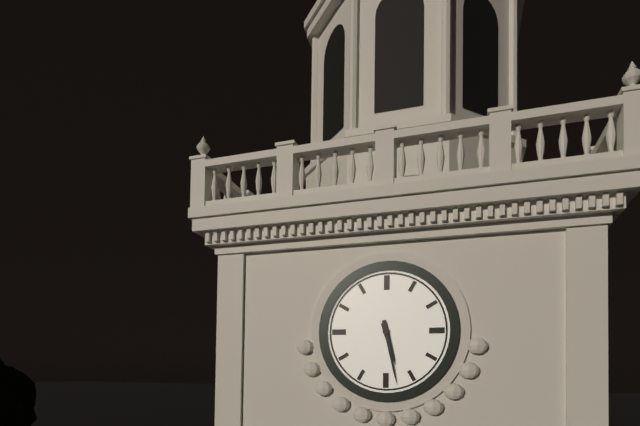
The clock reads h=5 m=28
